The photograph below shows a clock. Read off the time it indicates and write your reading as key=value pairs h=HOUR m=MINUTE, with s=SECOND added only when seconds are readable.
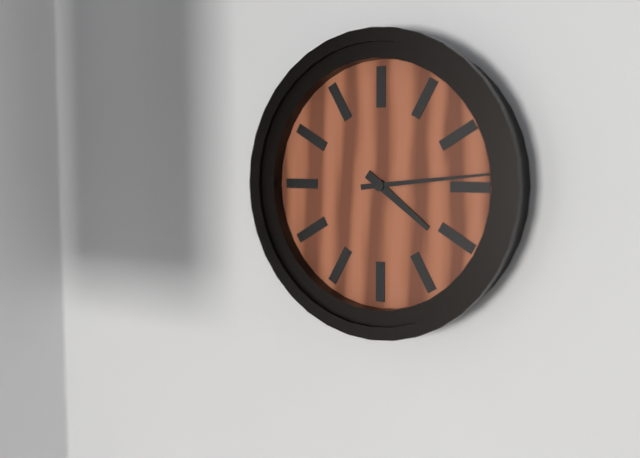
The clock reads h=4 m=14
